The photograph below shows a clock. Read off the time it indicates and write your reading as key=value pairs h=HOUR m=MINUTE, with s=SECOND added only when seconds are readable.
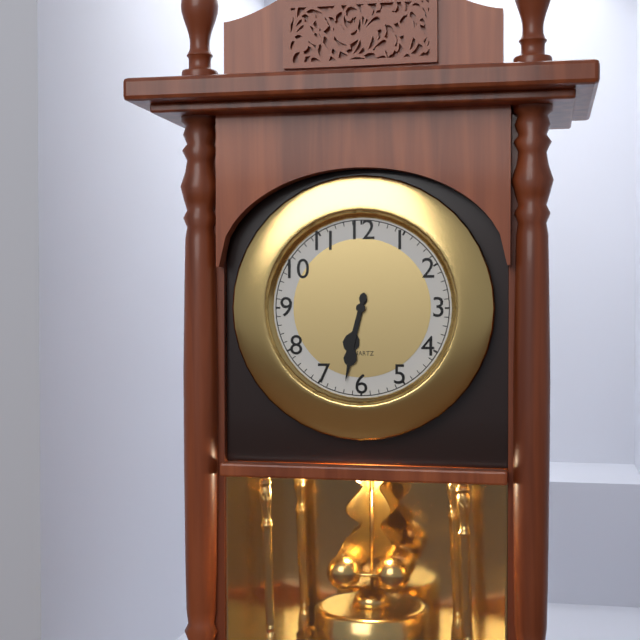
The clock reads h=6 m=32
